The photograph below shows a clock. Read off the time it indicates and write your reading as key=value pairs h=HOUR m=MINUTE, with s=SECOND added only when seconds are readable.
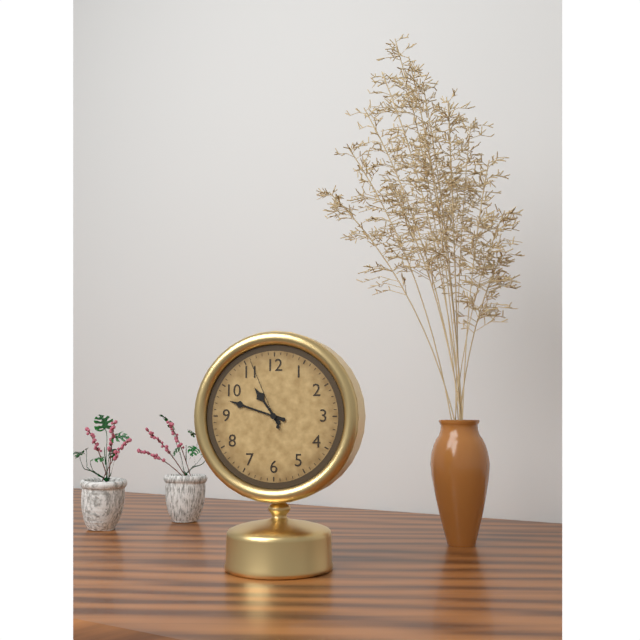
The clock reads h=10 m=48 s=56
